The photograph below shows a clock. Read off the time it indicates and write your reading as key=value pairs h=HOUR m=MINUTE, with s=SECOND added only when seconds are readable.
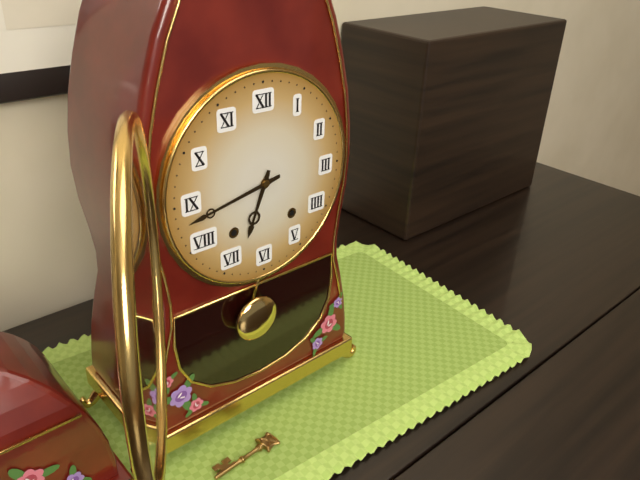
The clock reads h=6 m=43
